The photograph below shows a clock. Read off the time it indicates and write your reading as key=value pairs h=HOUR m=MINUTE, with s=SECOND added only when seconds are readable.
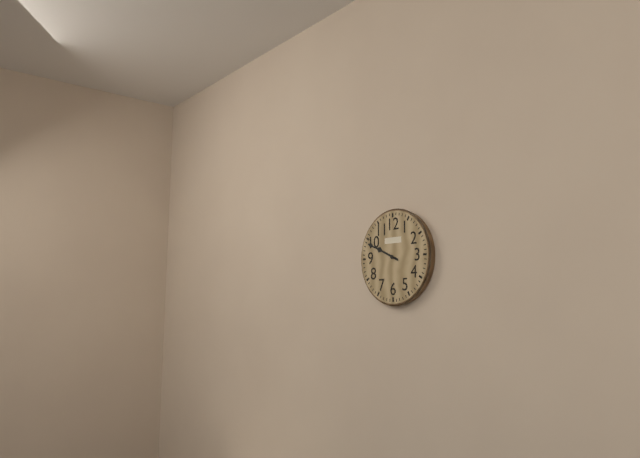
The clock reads h=9 m=49
